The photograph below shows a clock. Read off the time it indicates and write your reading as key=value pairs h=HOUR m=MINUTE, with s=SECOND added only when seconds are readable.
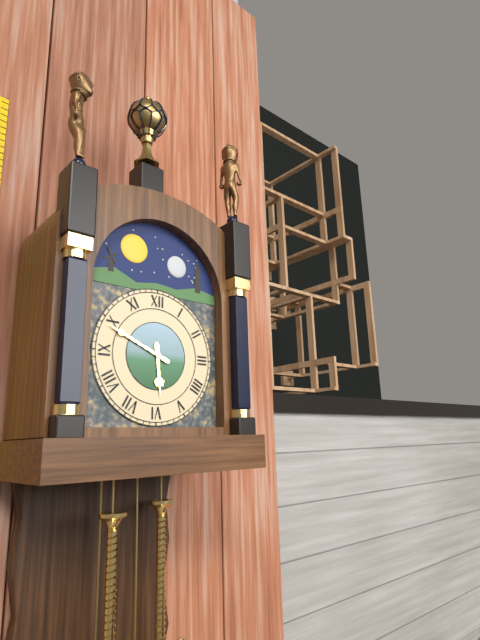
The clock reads h=5 m=49
